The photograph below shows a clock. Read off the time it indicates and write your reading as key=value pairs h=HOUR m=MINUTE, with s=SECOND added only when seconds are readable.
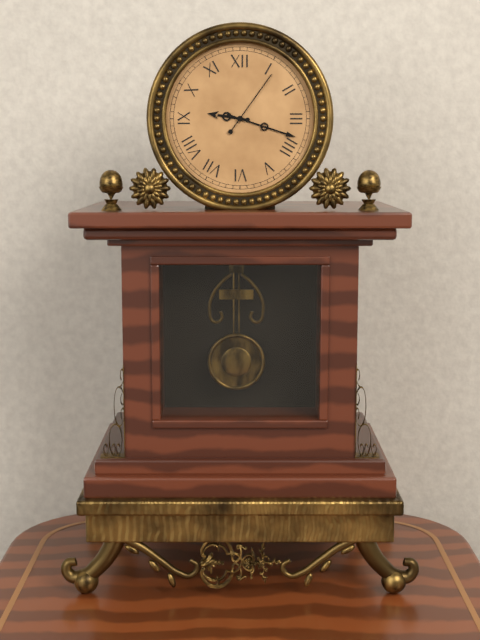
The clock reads h=9 m=18 s=6
